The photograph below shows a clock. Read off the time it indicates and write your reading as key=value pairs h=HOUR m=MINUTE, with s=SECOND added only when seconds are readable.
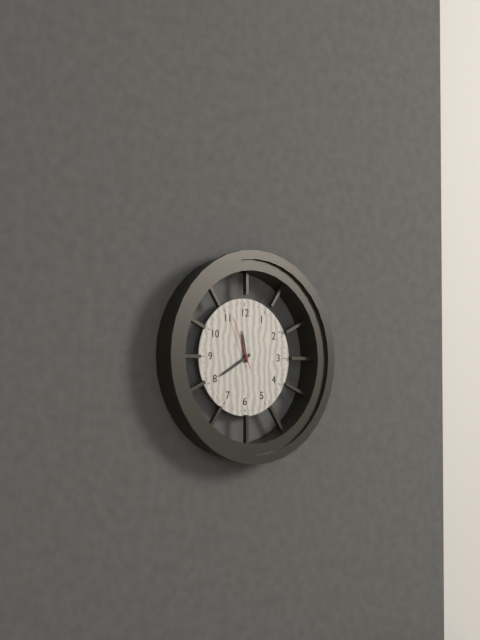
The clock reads h=11 m=40 s=56
